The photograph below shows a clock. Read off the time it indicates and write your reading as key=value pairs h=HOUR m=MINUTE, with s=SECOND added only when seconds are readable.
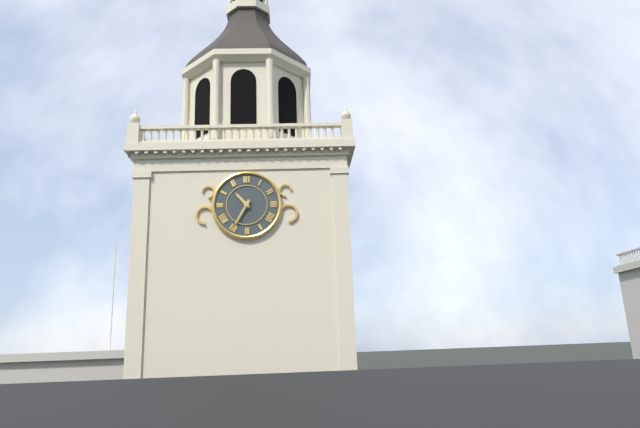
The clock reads h=10 m=35
